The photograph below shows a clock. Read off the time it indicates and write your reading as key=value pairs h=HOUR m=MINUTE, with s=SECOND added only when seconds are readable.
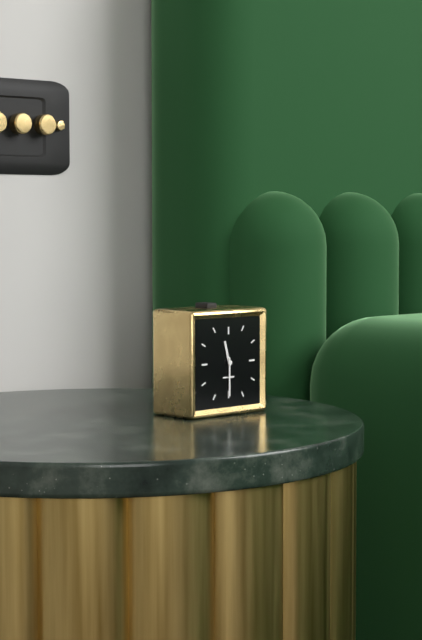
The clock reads h=11 m=30
